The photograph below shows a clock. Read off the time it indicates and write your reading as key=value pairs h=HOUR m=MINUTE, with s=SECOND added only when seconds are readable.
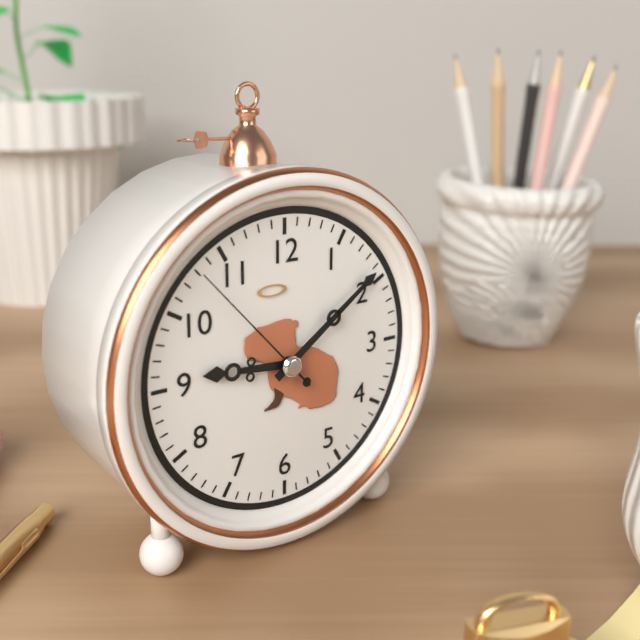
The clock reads h=9 m=9 s=53
